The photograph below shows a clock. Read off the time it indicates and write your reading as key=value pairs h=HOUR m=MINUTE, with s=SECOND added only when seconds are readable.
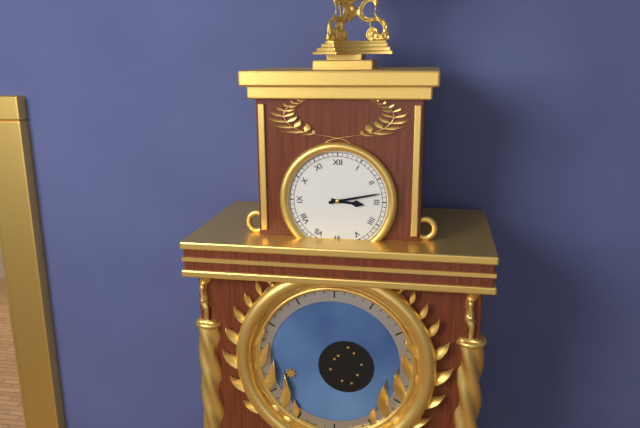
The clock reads h=3 m=13
